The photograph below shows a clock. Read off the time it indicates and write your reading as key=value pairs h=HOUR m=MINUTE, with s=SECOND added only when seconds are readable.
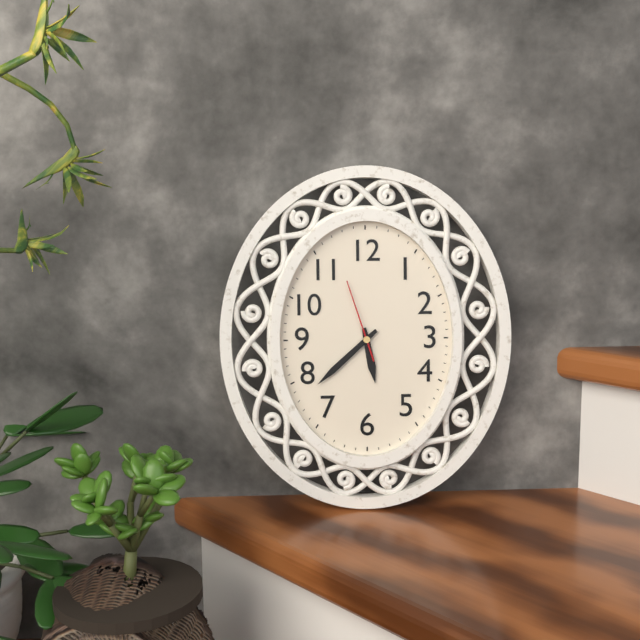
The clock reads h=5 m=38 s=57
